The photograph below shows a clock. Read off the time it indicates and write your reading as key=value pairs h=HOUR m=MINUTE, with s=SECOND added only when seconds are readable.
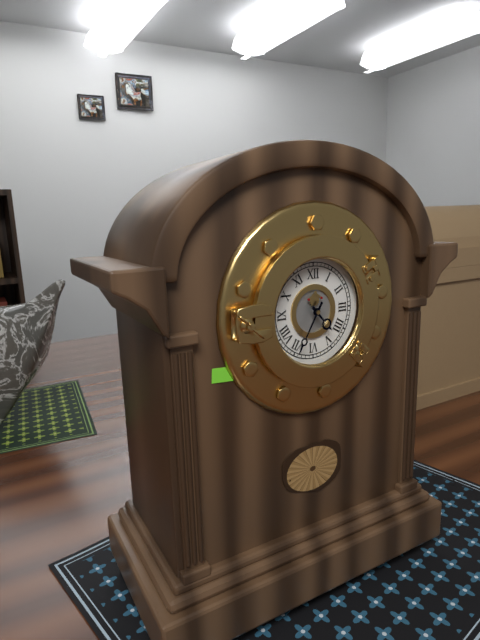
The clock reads h=4 m=35
